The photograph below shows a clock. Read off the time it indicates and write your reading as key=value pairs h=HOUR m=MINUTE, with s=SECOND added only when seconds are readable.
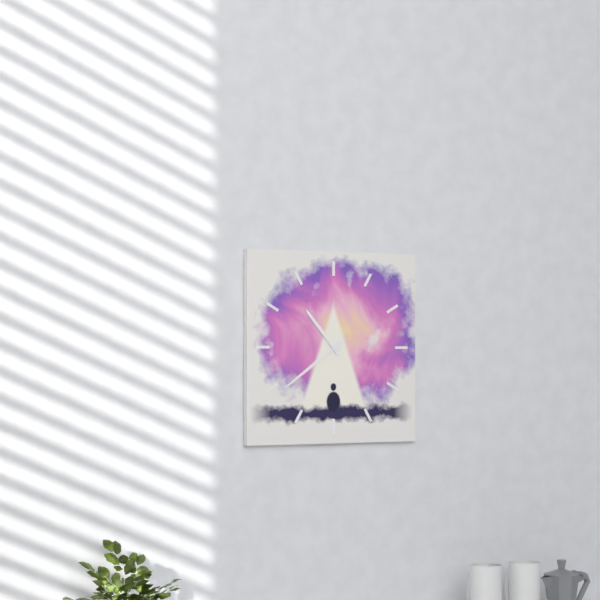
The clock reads h=10 m=39
